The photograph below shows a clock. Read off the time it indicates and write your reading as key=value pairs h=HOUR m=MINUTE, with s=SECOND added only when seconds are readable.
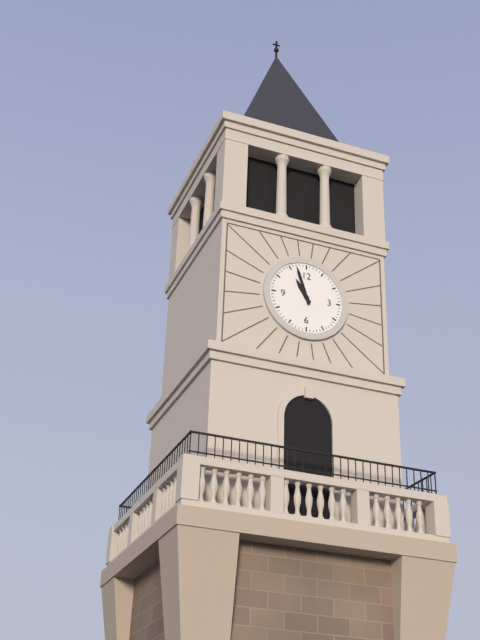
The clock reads h=10 m=57
